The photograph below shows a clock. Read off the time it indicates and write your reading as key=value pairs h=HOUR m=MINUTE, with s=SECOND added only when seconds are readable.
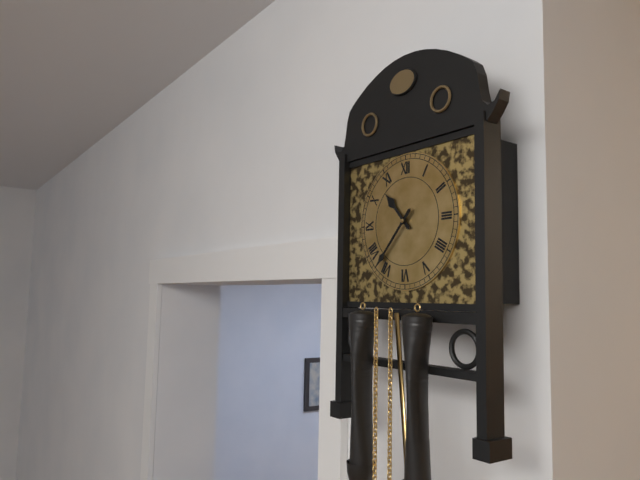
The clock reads h=10 m=37
